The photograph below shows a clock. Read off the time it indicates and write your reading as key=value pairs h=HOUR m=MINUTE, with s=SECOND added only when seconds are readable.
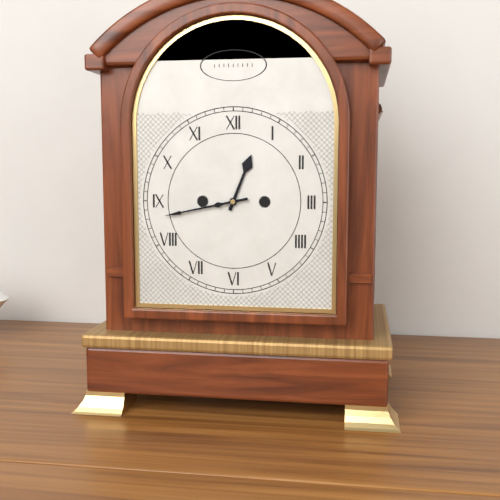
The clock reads h=12 m=43
